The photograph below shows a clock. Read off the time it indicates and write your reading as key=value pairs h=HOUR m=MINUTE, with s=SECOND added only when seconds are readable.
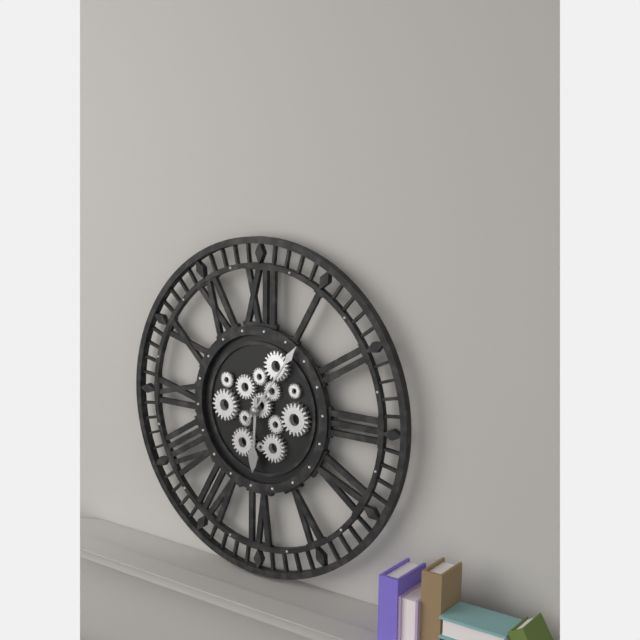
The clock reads h=6 m=6
